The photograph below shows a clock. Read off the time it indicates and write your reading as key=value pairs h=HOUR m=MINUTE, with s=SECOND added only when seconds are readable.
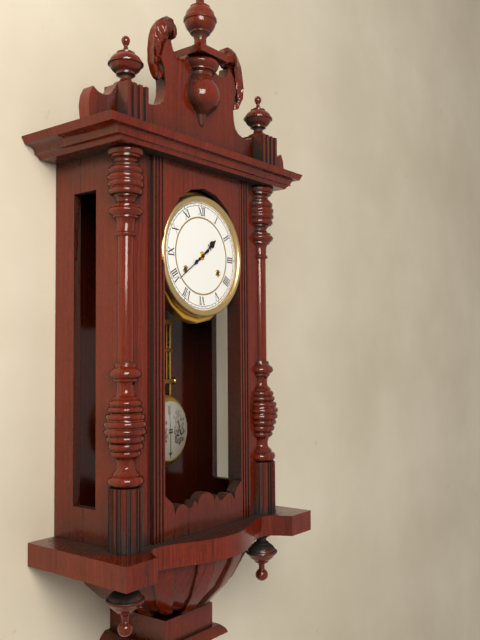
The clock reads h=1 m=39
